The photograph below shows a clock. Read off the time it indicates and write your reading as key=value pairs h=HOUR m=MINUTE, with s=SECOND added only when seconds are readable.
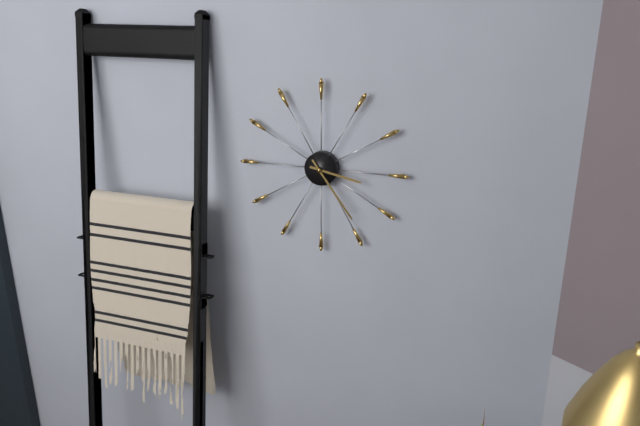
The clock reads h=3 m=24
